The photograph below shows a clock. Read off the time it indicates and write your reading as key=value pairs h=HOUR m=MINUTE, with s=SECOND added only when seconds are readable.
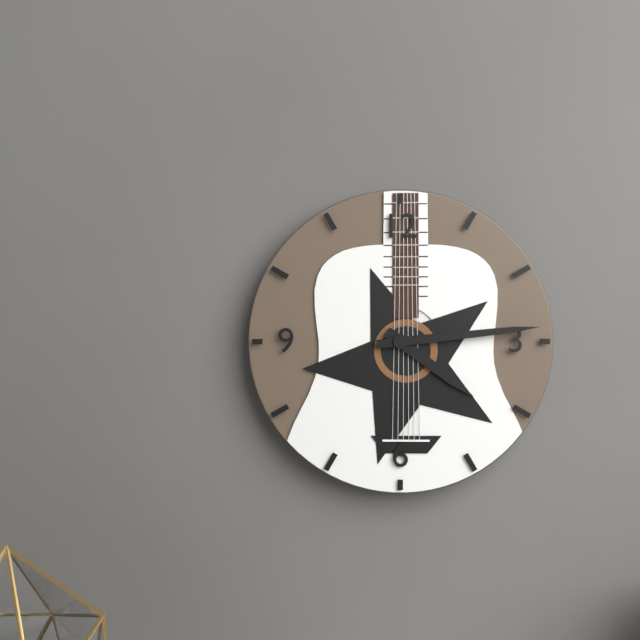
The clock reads h=4 m=14
